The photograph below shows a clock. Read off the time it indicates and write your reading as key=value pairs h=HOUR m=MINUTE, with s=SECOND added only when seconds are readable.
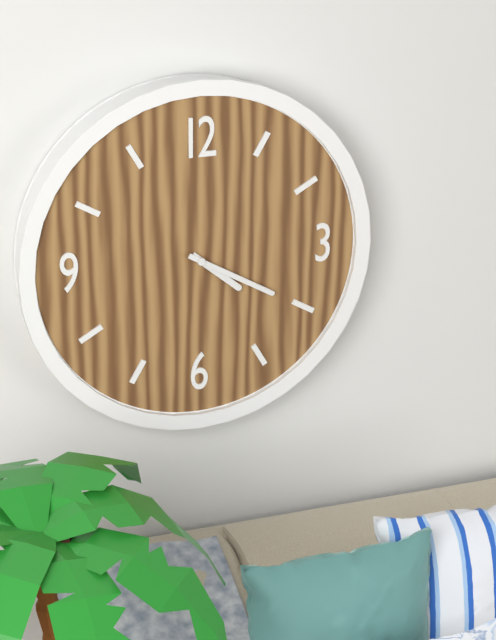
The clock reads h=4 m=20
